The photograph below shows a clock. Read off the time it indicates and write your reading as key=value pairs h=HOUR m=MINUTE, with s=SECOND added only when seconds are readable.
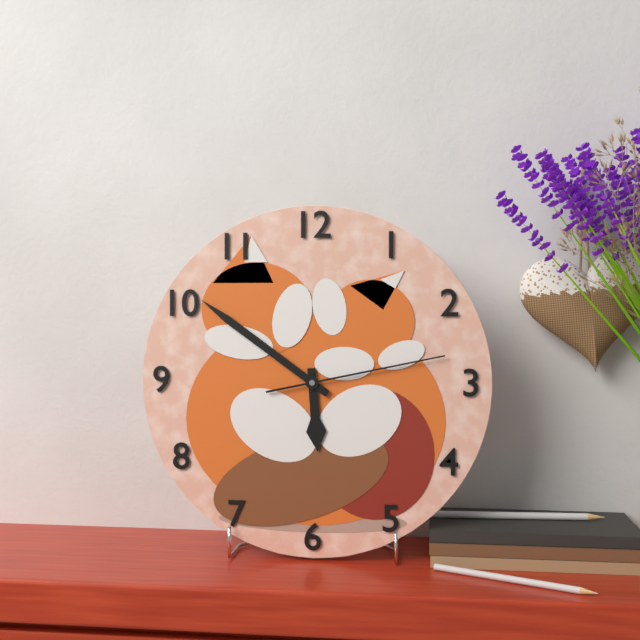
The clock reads h=5 m=51 s=13
